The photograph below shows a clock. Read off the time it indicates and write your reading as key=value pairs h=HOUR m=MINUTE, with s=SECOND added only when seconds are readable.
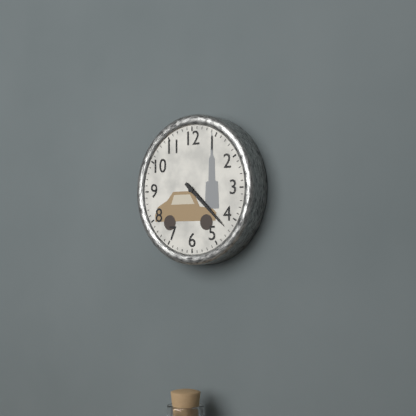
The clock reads h=4 m=22
